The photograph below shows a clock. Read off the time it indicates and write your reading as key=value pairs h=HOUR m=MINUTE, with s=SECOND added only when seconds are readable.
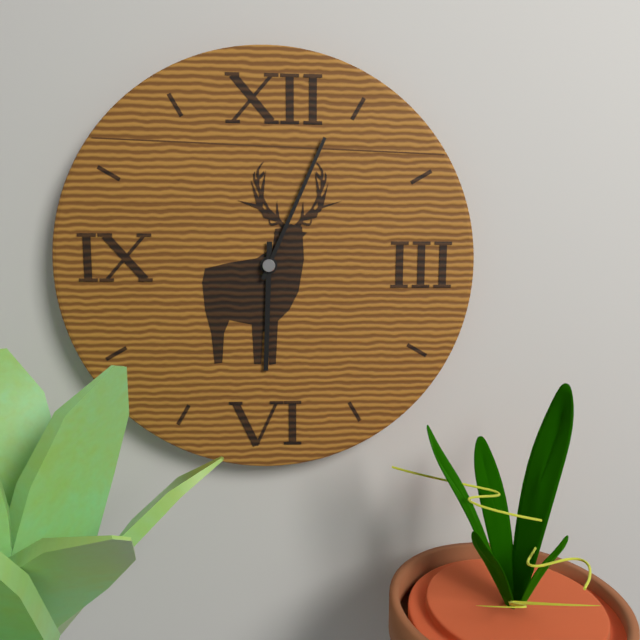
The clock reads h=6 m=4
